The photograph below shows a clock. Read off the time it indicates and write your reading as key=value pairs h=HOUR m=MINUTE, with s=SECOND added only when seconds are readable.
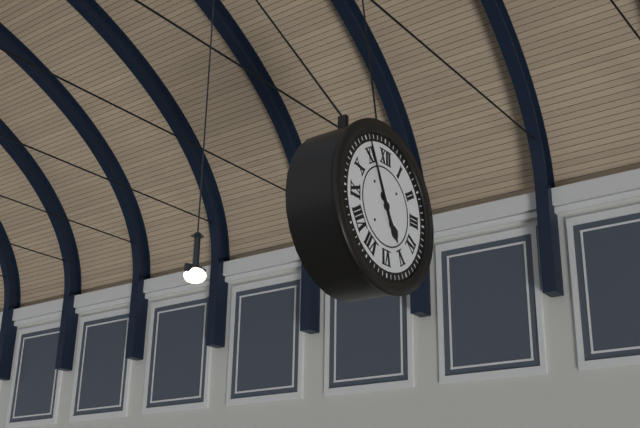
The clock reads h=4 m=56
